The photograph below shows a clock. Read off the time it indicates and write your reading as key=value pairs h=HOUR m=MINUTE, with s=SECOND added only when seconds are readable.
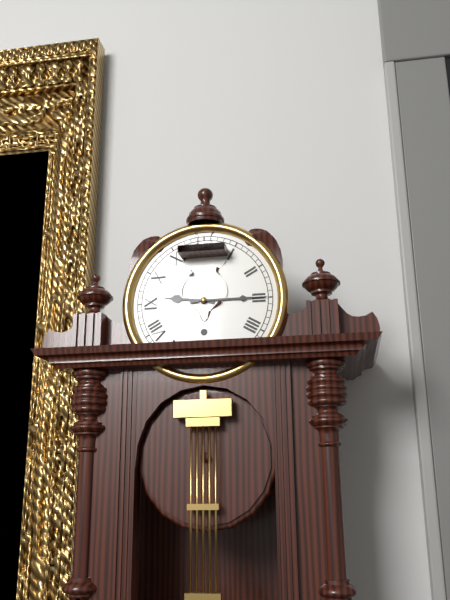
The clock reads h=9 m=15
